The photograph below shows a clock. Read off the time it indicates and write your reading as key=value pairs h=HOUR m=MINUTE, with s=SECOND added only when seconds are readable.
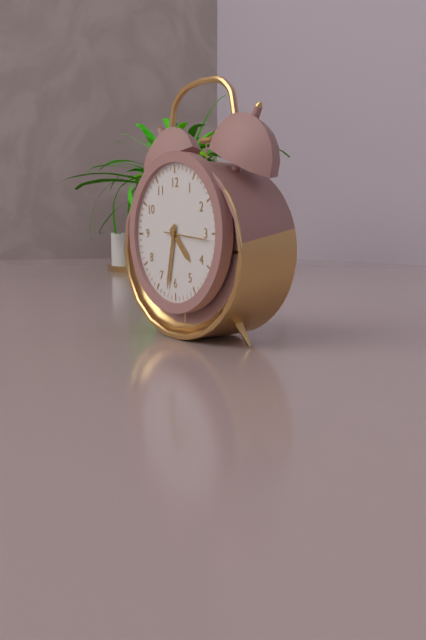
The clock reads h=4 m=32 s=16
